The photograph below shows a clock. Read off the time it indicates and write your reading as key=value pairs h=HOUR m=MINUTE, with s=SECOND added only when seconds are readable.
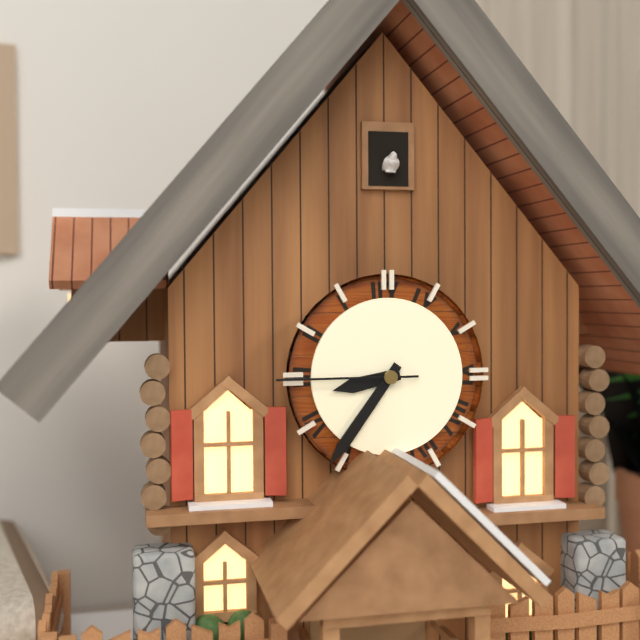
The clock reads h=8 m=36 s=45
